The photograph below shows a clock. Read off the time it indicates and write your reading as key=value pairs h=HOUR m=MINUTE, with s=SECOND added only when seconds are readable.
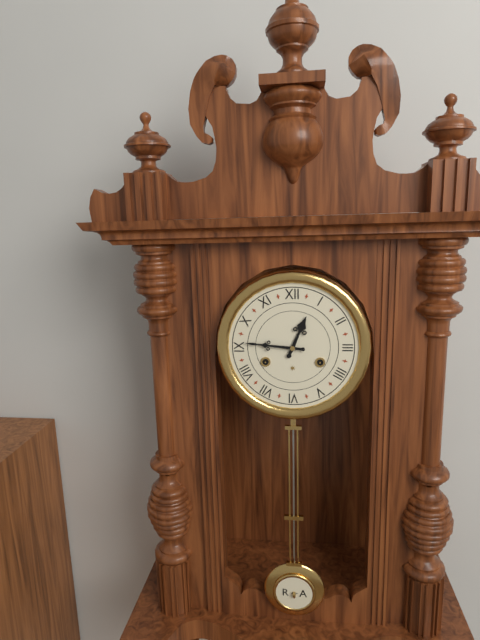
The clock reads h=12 m=46
